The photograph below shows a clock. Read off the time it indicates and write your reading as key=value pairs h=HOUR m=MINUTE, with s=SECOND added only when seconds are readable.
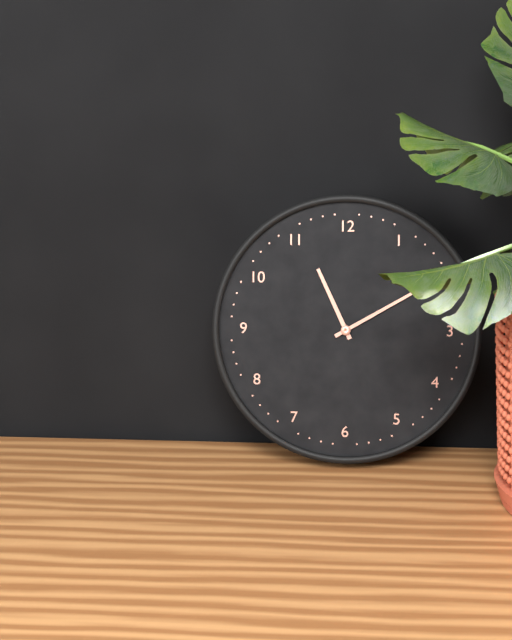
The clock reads h=11 m=10
